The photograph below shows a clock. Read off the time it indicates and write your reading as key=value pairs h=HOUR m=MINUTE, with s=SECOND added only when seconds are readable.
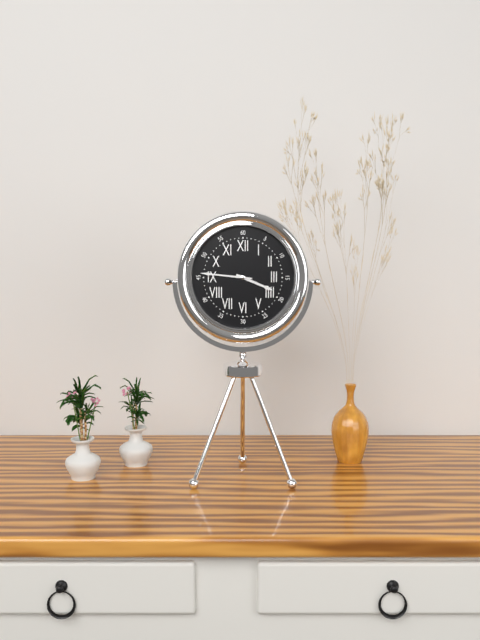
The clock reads h=3 m=46
